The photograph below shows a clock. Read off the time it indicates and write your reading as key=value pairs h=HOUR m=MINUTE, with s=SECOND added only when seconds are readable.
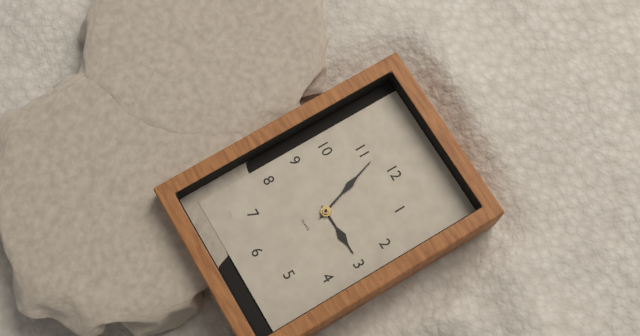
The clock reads h=2 m=57
